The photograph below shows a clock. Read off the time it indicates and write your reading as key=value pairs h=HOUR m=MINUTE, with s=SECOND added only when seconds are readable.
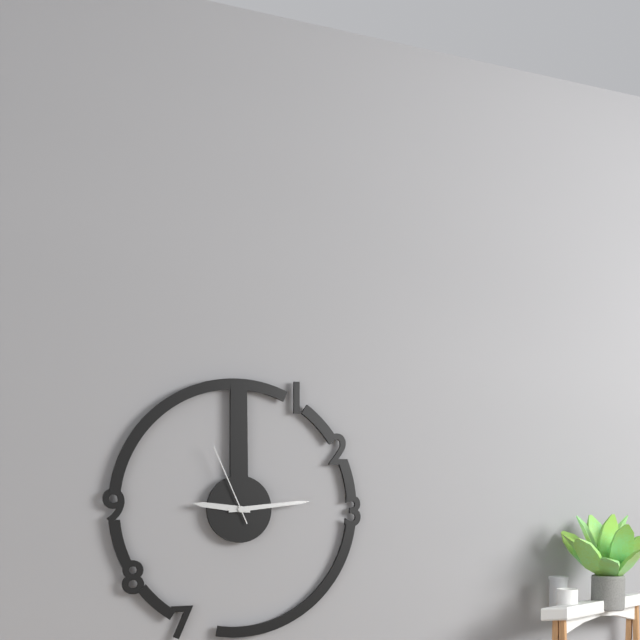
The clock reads h=9 m=14 s=56
